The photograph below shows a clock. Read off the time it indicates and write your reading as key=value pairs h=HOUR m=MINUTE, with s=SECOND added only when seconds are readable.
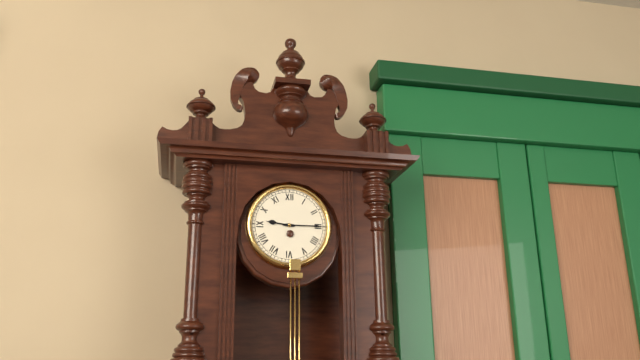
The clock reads h=9 m=15
